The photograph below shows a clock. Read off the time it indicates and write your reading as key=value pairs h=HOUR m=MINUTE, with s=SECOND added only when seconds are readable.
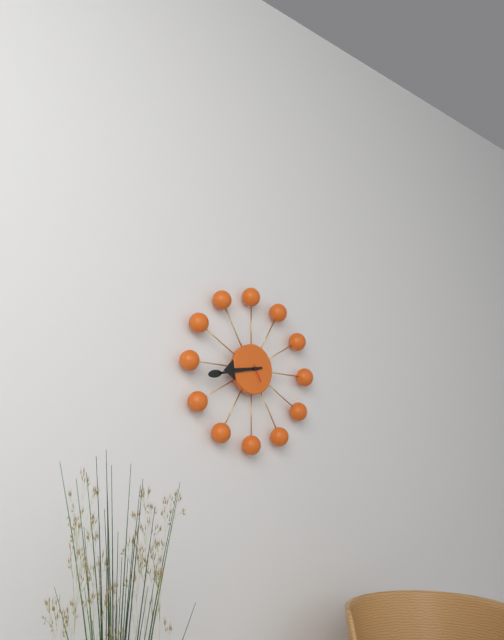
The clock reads h=8 m=43
